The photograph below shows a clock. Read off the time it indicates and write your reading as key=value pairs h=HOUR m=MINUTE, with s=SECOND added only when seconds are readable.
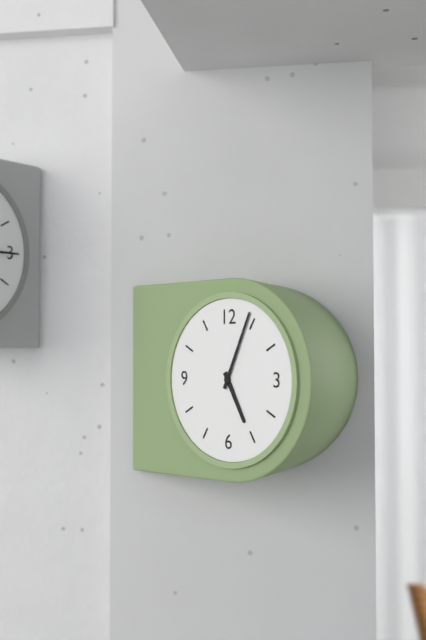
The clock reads h=5 m=4
